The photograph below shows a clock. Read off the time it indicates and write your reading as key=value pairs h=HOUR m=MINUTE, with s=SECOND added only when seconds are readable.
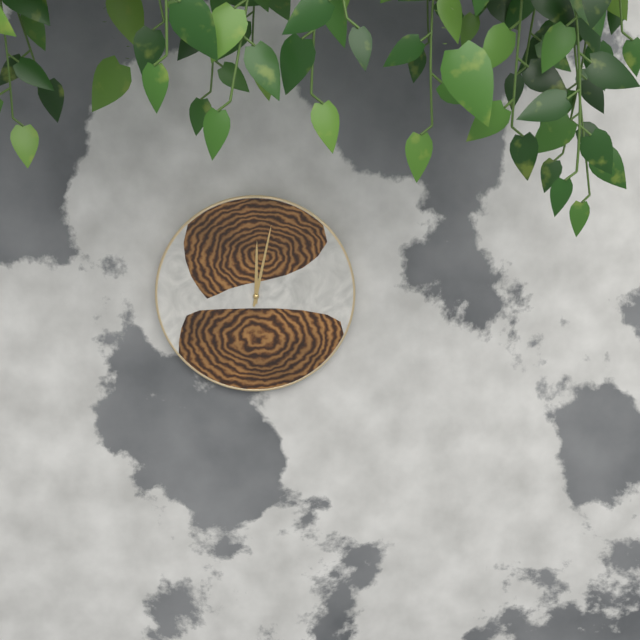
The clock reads h=12 m=2
